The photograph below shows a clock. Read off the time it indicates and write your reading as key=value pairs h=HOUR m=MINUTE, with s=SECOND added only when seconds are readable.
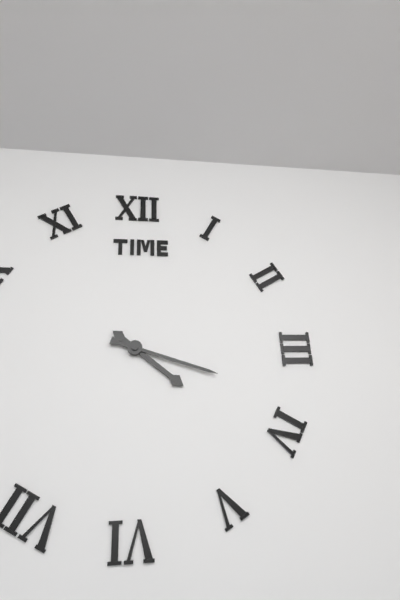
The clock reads h=4 m=18
